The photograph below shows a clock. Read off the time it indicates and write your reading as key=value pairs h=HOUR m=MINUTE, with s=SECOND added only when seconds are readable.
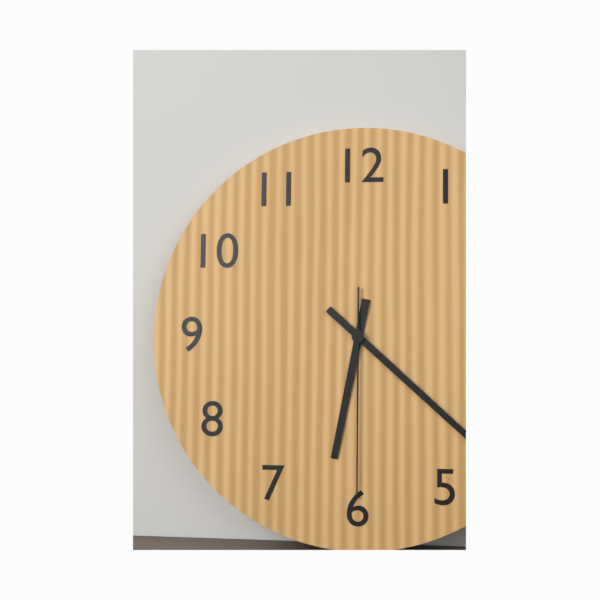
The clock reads h=6 m=22 s=30
